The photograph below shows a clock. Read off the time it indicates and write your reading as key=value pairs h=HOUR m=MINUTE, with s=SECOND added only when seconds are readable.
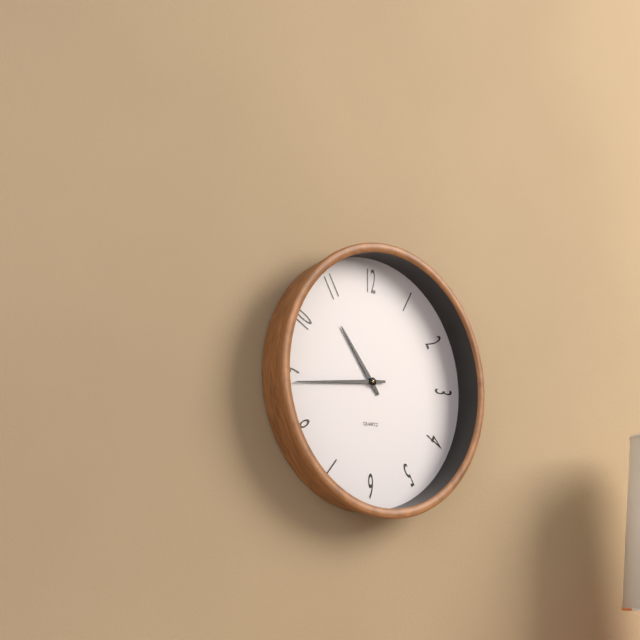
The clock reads h=10 m=44
